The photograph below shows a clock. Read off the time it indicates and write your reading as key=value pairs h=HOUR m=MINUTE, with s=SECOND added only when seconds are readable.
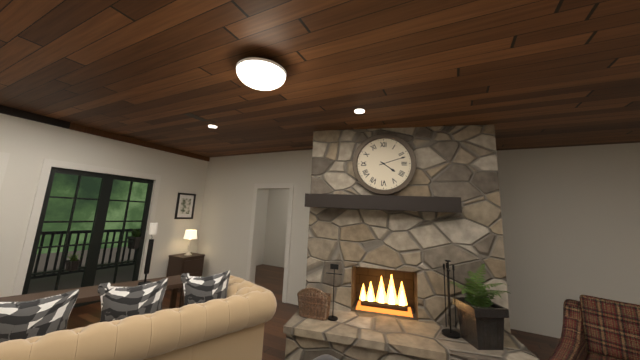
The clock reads h=4 m=12
